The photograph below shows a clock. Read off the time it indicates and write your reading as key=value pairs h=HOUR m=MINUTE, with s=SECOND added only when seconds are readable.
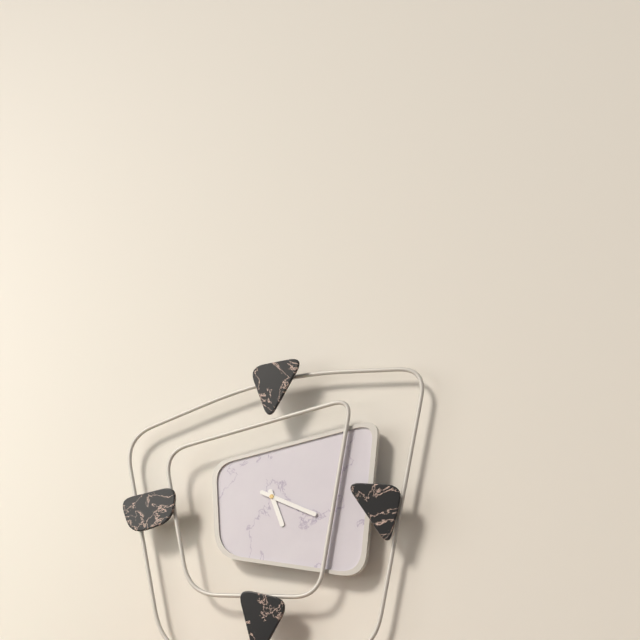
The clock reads h=5 m=19
